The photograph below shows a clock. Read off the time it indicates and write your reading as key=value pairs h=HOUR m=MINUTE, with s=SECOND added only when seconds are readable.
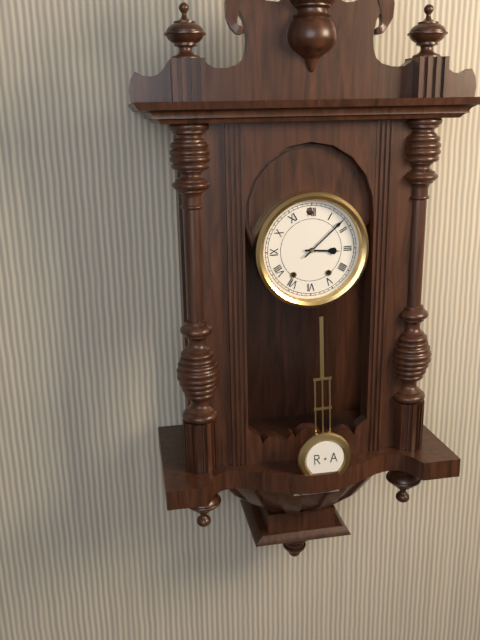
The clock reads h=3 m=8
